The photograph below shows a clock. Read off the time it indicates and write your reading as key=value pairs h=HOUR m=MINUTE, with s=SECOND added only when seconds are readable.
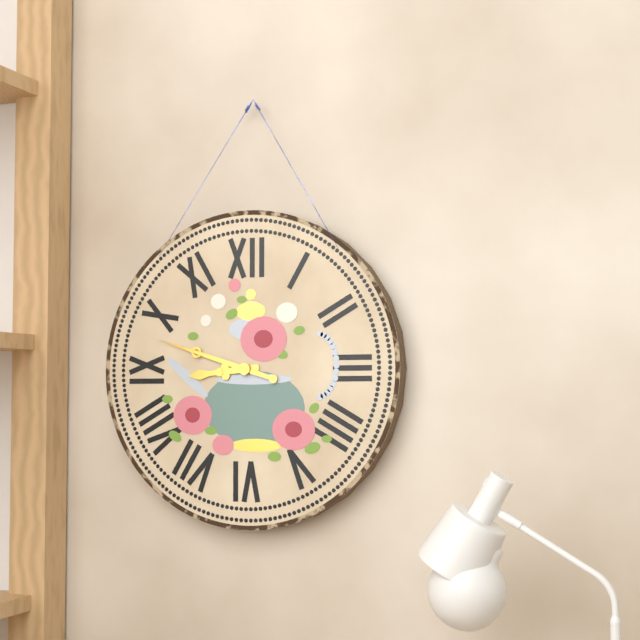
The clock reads h=8 m=48
